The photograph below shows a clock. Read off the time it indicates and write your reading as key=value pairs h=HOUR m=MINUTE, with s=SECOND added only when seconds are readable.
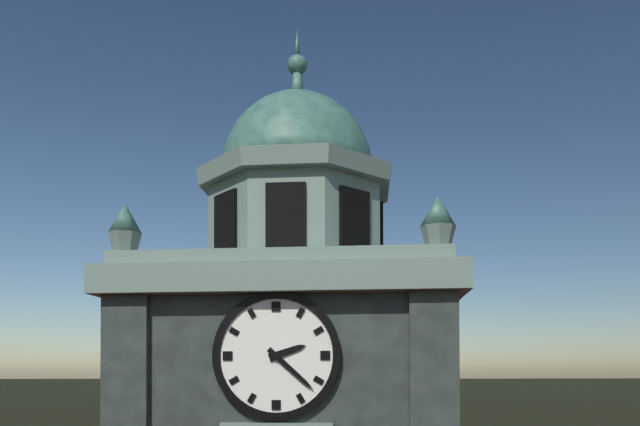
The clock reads h=2 m=22
